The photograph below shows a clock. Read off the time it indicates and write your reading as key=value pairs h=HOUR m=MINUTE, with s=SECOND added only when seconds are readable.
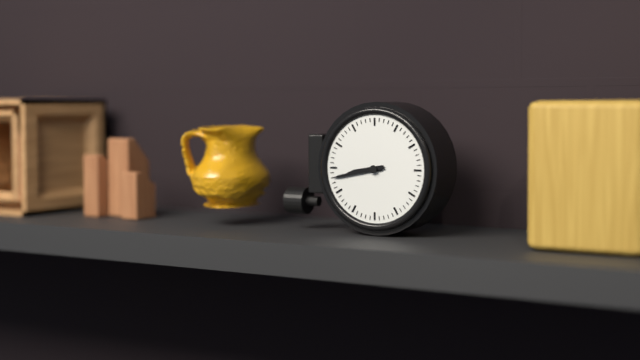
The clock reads h=8 m=43
